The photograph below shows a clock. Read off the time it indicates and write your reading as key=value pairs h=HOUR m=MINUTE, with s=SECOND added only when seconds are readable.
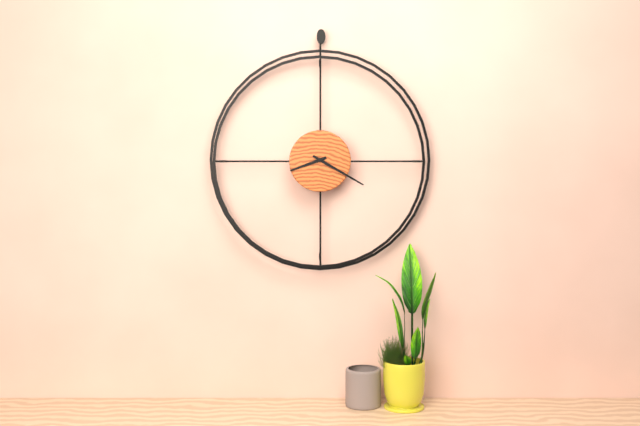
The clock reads h=8 m=20
